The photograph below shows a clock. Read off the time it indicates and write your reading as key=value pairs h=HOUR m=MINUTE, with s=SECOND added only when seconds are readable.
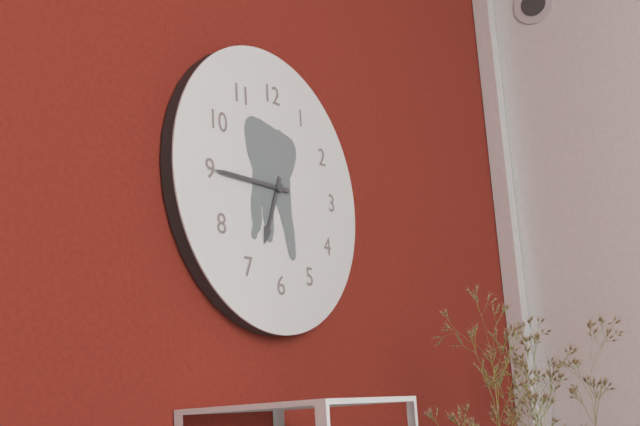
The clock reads h=6 m=45
